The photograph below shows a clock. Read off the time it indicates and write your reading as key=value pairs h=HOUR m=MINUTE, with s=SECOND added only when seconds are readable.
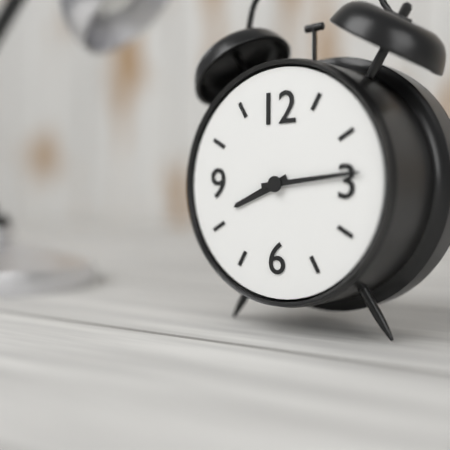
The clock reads h=8 m=14
